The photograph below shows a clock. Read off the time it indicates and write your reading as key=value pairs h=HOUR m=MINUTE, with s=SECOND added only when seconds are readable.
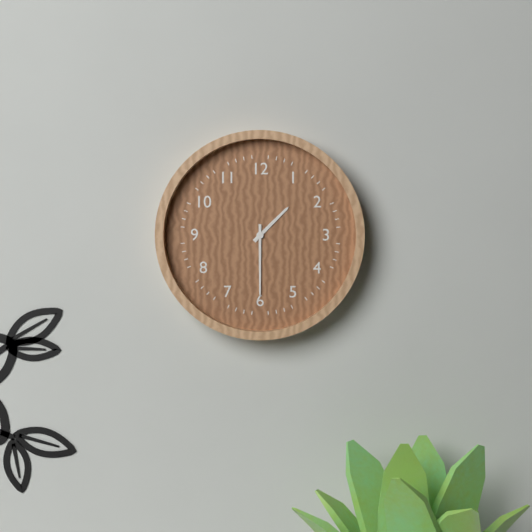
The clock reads h=1 m=30
